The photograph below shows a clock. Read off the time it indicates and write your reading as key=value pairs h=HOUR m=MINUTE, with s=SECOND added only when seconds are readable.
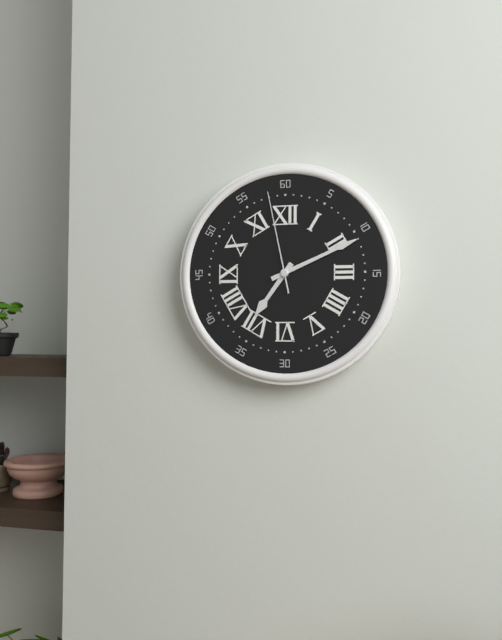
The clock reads h=7 m=11 s=58
